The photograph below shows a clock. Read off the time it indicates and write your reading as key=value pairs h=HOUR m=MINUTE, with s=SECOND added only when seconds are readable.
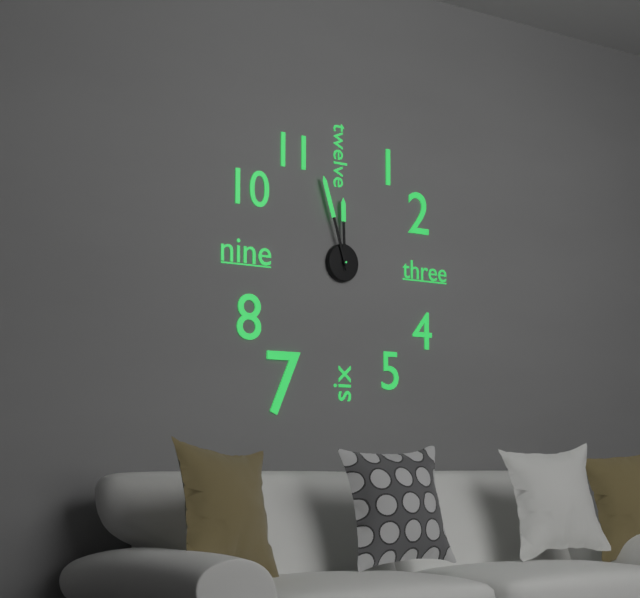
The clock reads h=11 m=57
